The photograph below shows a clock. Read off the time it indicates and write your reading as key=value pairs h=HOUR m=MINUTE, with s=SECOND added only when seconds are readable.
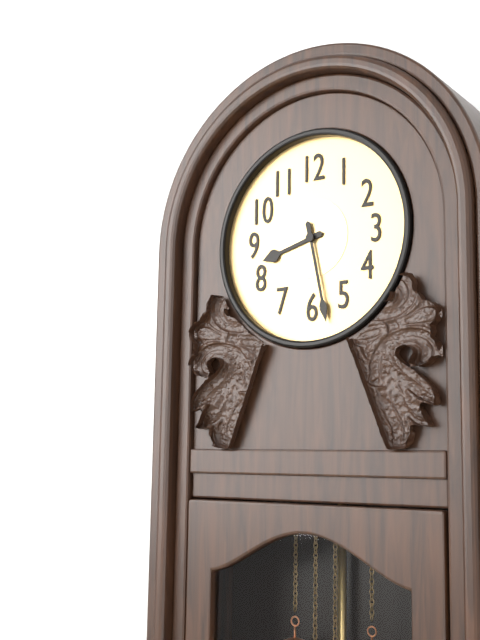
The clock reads h=8 m=28
